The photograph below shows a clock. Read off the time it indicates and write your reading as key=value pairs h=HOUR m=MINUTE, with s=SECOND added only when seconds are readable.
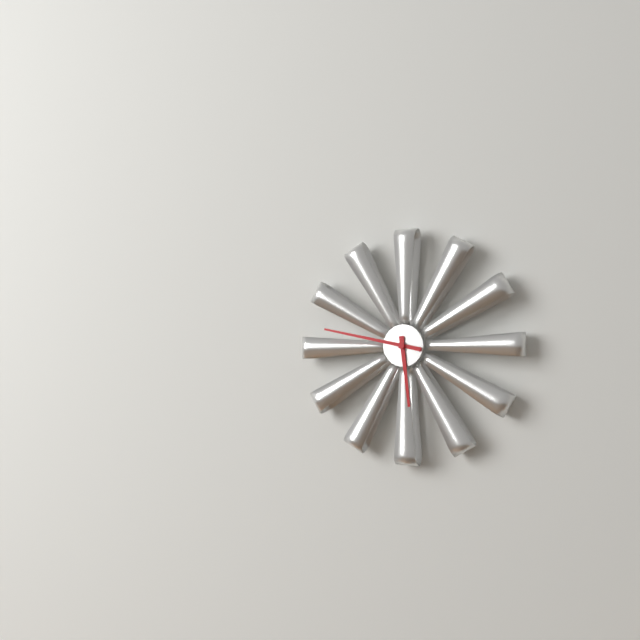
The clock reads h=5 m=47
